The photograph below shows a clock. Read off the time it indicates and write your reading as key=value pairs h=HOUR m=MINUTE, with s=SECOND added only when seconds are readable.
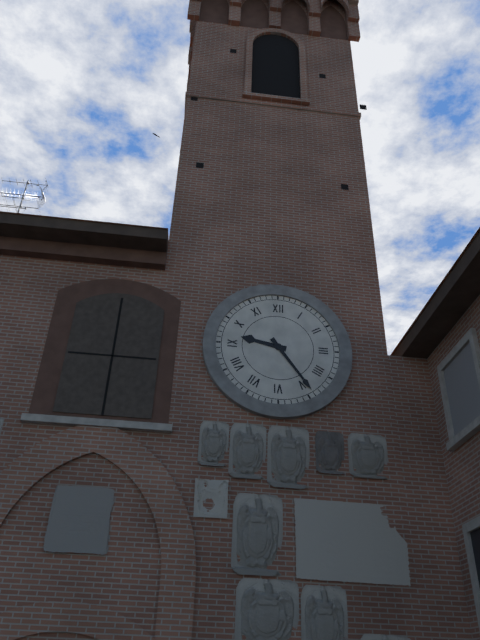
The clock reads h=9 m=24
